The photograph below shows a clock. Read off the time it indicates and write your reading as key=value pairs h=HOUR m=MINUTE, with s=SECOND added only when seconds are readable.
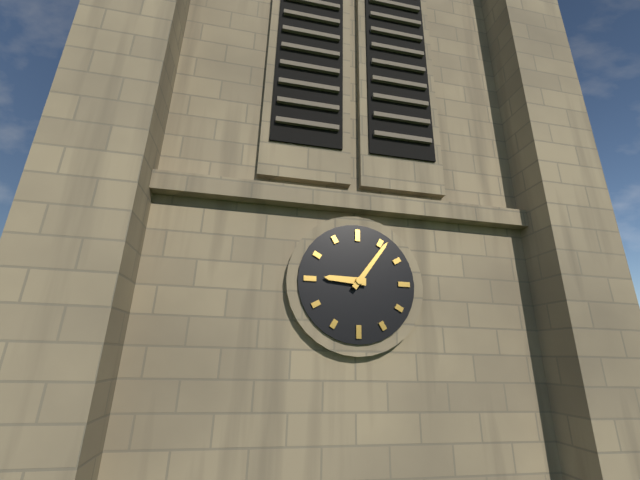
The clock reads h=9 m=6
